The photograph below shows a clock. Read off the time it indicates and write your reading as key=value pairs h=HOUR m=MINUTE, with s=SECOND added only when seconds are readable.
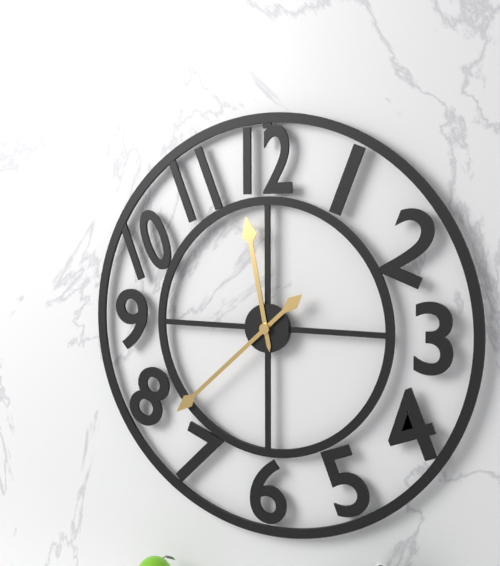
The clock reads h=11 m=38
